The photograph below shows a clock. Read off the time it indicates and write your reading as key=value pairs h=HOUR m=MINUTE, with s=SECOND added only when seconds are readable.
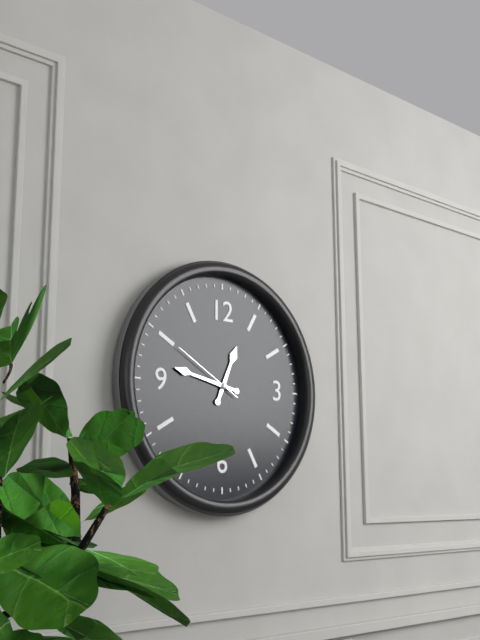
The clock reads h=12 m=47 s=50
